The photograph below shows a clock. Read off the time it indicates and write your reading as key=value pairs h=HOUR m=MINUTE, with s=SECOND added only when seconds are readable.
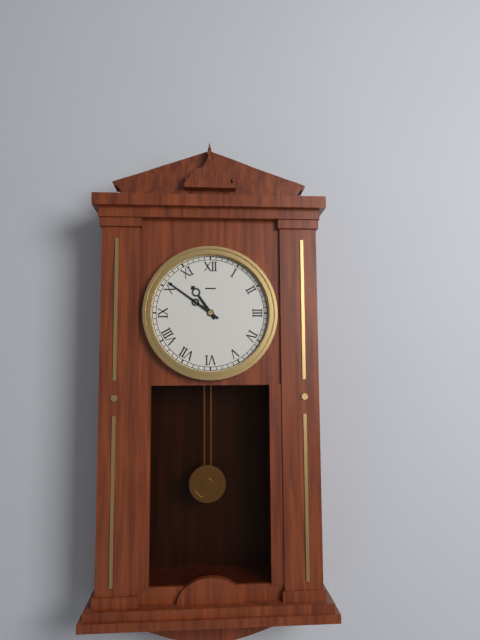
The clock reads h=10 m=51
